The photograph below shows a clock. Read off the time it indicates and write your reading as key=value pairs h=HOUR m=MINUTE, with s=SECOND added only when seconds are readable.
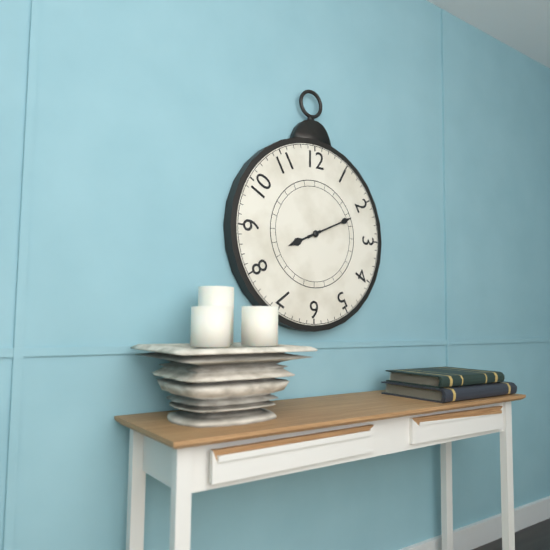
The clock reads h=8 m=11
